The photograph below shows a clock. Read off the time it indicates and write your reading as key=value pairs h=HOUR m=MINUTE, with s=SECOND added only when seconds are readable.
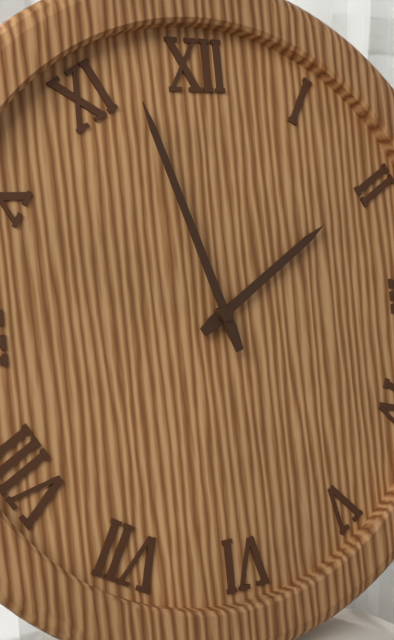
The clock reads h=1 m=57
